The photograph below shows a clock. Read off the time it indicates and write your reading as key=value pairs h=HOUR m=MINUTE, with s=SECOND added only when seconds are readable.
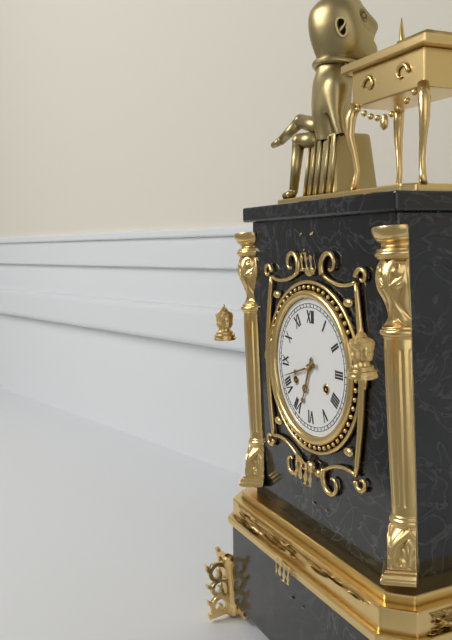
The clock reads h=6 m=42
